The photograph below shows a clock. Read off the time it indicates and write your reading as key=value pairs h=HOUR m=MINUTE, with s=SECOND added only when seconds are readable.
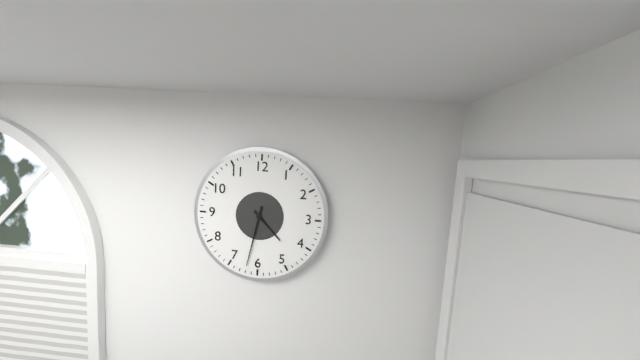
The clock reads h=4 m=32
